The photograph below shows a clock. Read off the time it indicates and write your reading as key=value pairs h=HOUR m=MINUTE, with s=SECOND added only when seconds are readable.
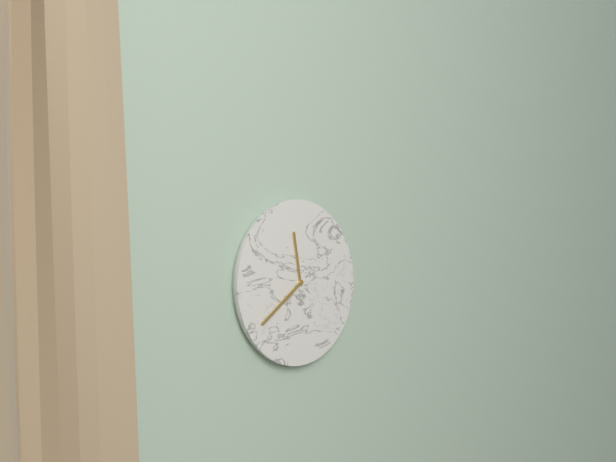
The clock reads h=11 m=39
